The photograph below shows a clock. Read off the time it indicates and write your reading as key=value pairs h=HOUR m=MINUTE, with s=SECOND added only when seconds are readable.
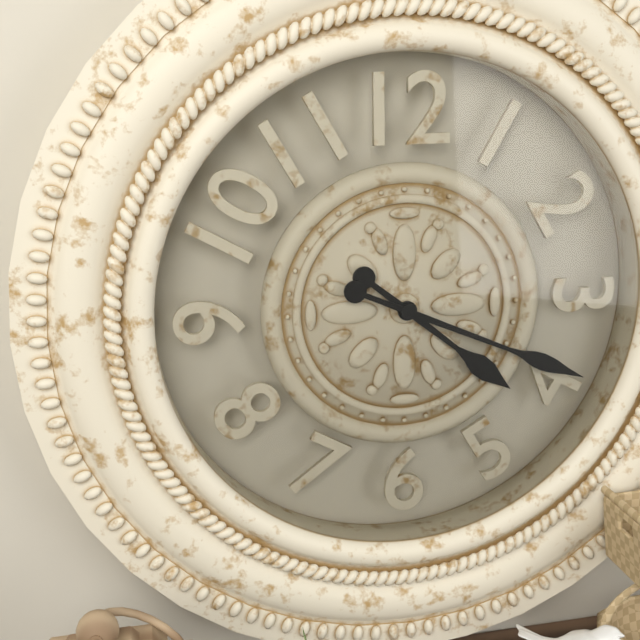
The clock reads h=4 m=19
